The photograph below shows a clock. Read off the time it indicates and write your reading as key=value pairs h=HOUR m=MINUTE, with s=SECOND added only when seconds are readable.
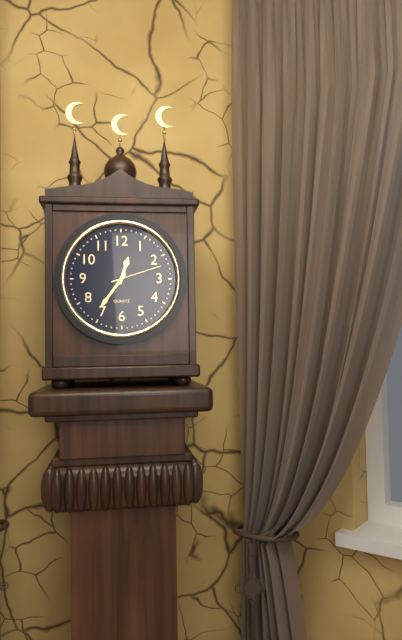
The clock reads h=12 m=36 s=12
